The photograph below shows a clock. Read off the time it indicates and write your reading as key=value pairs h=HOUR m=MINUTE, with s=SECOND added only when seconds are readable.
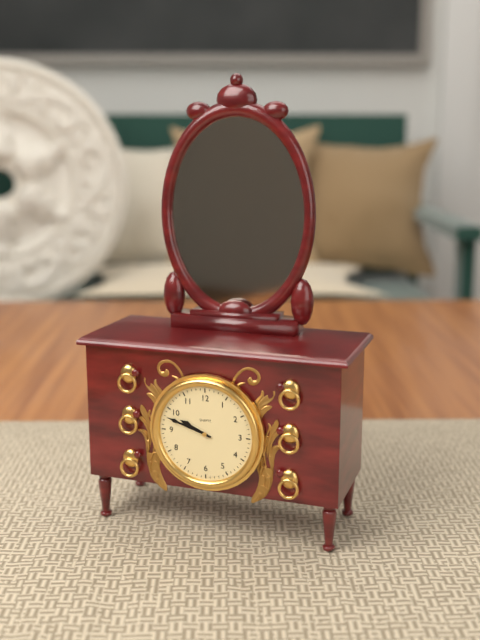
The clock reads h=9 m=48
